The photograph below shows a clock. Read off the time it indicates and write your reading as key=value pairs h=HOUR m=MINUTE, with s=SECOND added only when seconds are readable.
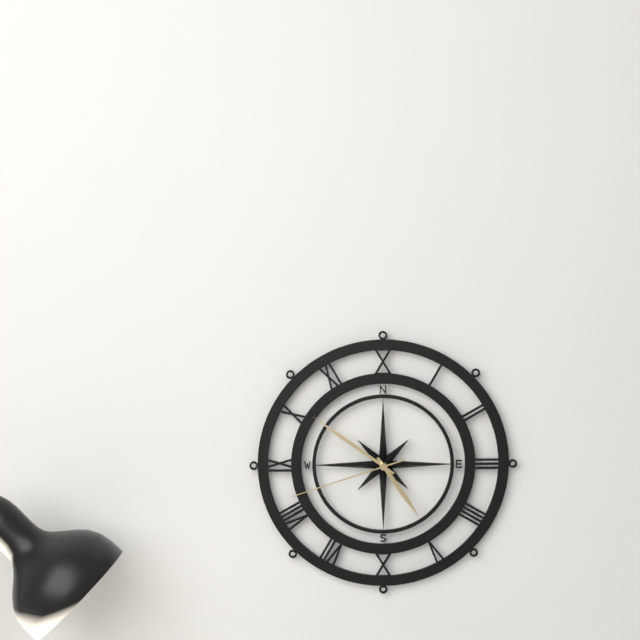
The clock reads h=4 m=51 s=42
